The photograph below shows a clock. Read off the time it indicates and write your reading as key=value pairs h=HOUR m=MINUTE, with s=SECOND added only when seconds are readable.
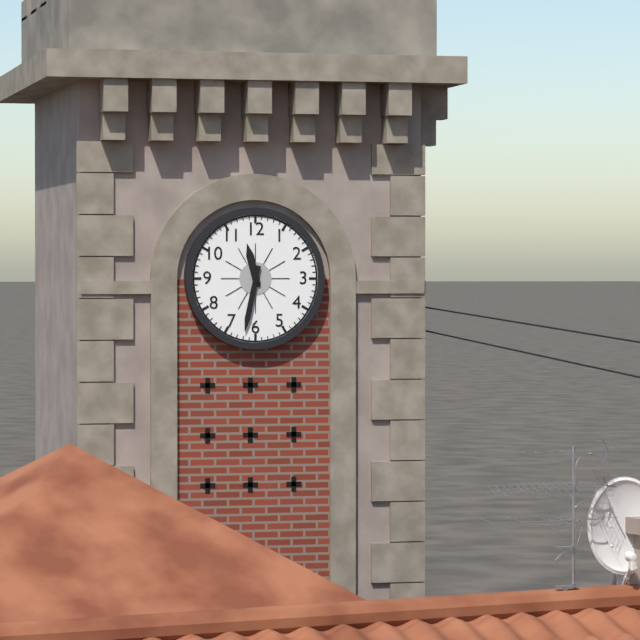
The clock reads h=11 m=32
